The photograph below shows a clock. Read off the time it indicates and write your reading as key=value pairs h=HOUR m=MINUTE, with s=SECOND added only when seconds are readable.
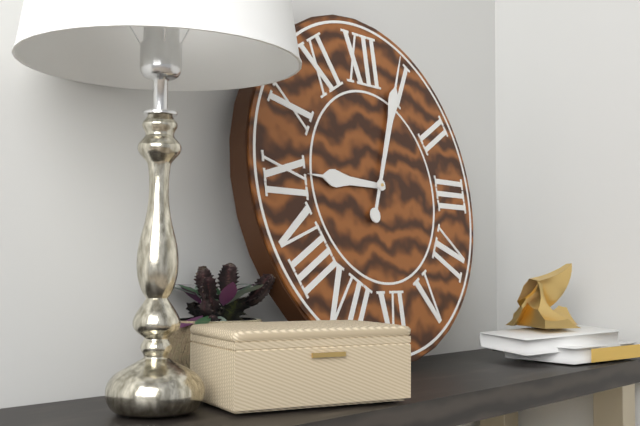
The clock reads h=9 m=4
